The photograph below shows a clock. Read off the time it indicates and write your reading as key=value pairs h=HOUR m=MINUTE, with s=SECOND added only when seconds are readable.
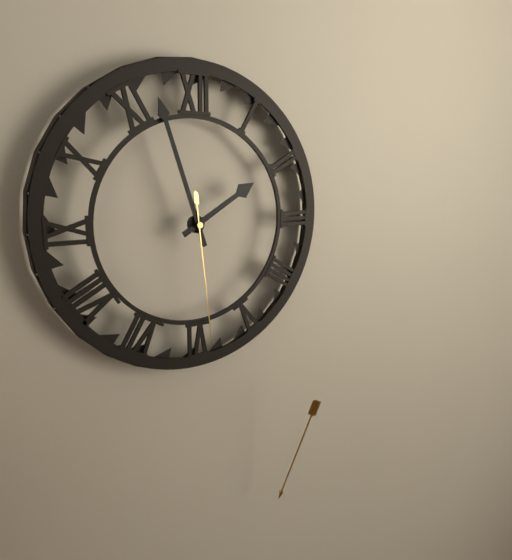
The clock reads h=1 m=57 s=29
